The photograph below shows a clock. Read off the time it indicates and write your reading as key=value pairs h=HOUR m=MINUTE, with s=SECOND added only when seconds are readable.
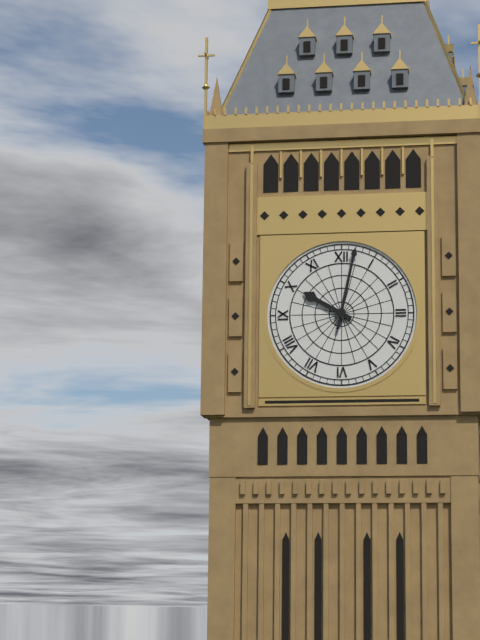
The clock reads h=10 m=2
